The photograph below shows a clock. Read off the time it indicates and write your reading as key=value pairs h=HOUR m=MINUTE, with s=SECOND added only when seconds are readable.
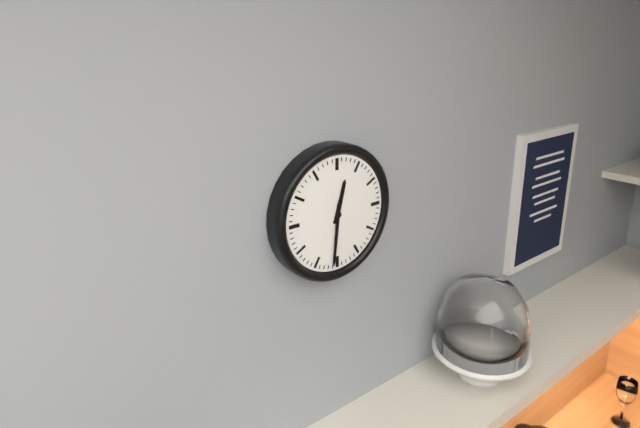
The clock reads h=12 m=31
